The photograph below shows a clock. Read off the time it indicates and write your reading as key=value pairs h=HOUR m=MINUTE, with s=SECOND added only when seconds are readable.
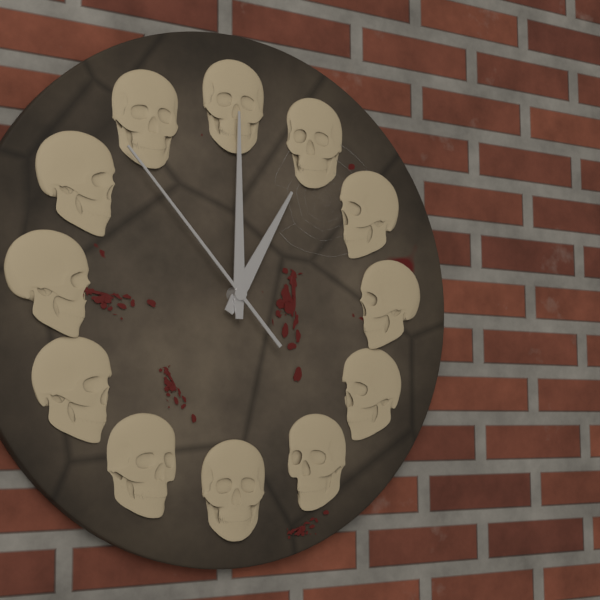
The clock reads h=1 m=0 s=53
